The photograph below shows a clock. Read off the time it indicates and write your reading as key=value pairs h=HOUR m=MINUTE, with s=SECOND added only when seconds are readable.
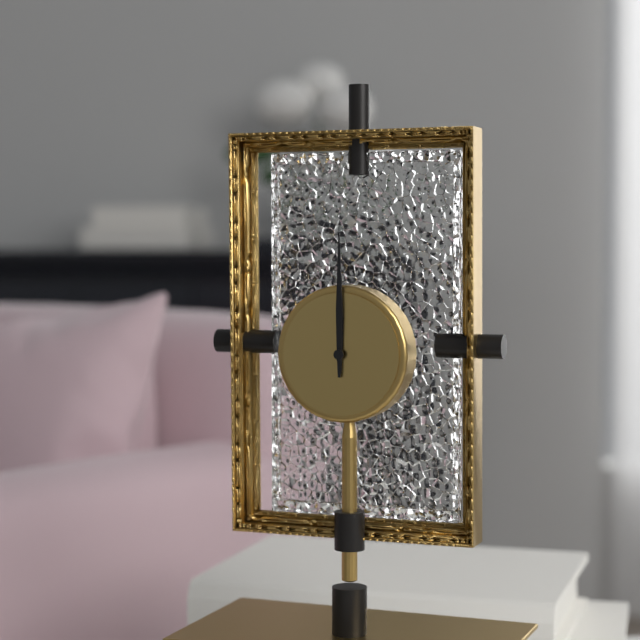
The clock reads h=12 m=0
